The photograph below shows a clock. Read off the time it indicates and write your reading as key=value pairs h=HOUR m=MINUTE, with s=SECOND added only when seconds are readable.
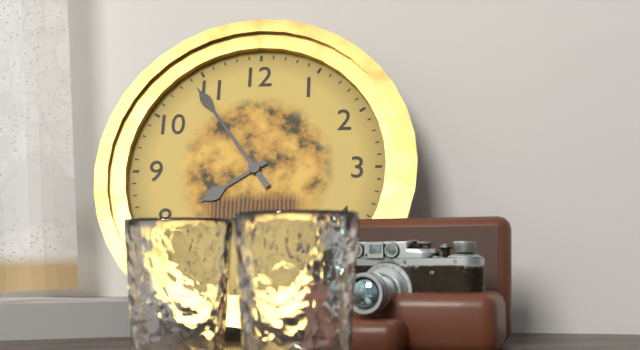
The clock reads h=7 m=54
